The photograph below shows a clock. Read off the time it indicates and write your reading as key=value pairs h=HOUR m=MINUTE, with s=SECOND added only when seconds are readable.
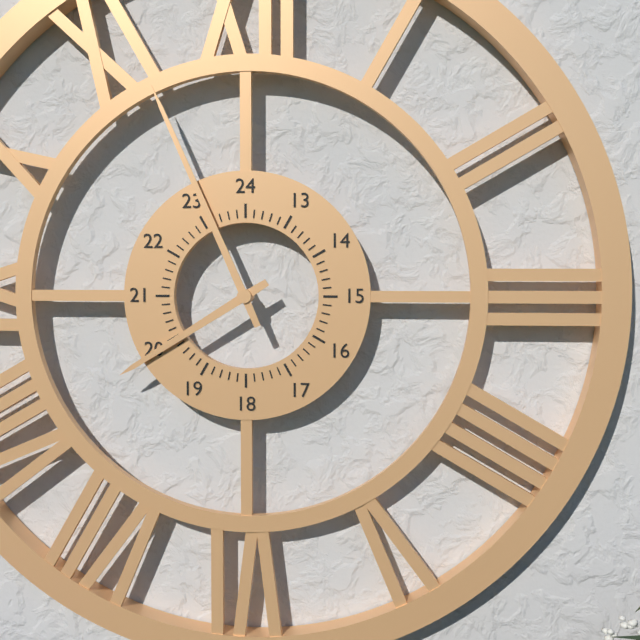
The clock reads h=7 m=56
